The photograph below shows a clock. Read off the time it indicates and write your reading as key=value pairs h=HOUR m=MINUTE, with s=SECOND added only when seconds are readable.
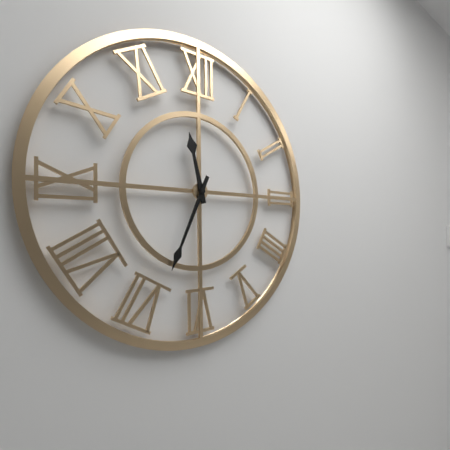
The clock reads h=11 m=34
